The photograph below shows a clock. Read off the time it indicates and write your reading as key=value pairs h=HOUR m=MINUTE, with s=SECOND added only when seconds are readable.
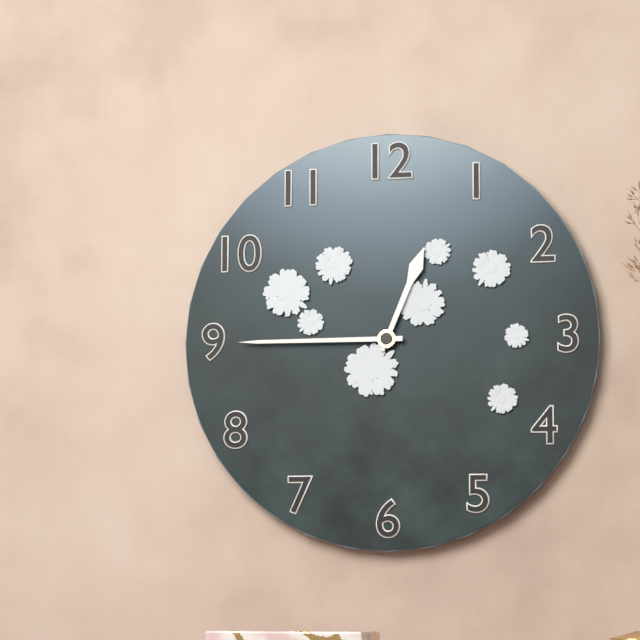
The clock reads h=12 m=45
